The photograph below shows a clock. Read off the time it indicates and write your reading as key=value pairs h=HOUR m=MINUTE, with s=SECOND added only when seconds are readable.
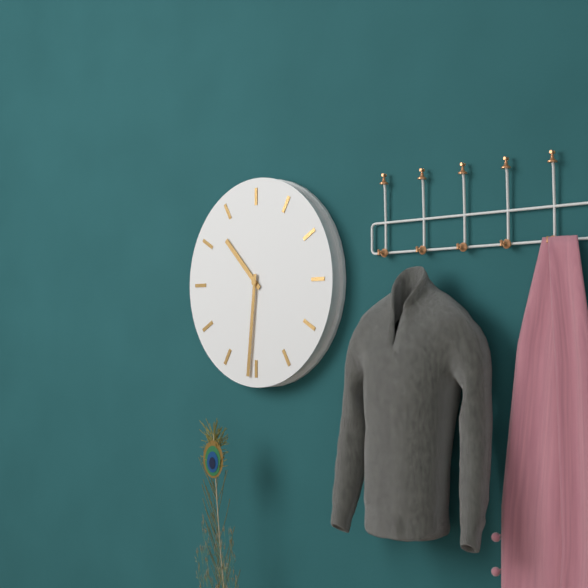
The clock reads h=10 m=31
